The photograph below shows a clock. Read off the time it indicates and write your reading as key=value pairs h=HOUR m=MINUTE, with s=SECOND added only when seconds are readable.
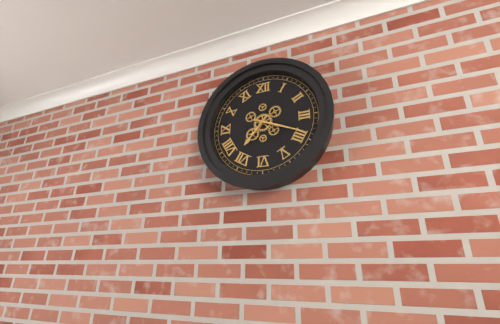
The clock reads h=7 m=19
